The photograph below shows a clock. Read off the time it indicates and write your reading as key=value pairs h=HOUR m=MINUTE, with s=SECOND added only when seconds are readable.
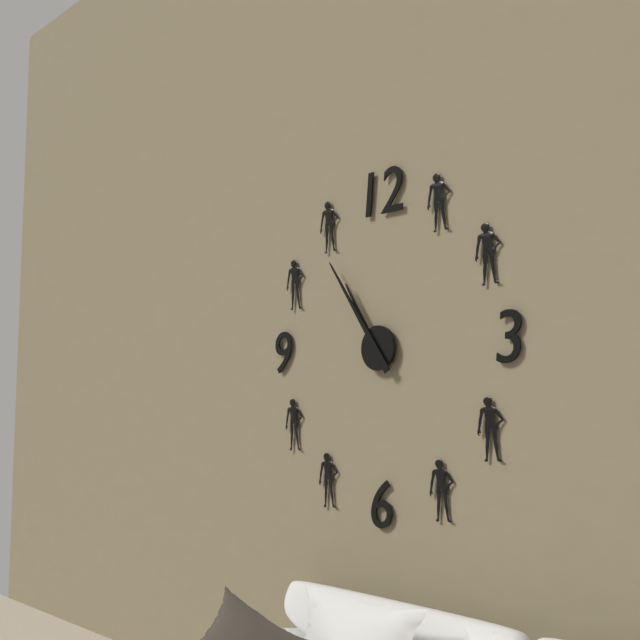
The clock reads h=10 m=54
